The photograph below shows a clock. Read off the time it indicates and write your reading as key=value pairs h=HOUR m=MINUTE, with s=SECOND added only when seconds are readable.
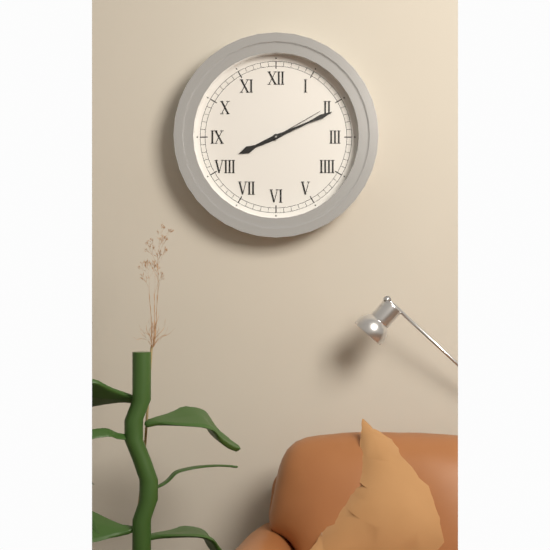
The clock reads h=8 m=11 s=10
